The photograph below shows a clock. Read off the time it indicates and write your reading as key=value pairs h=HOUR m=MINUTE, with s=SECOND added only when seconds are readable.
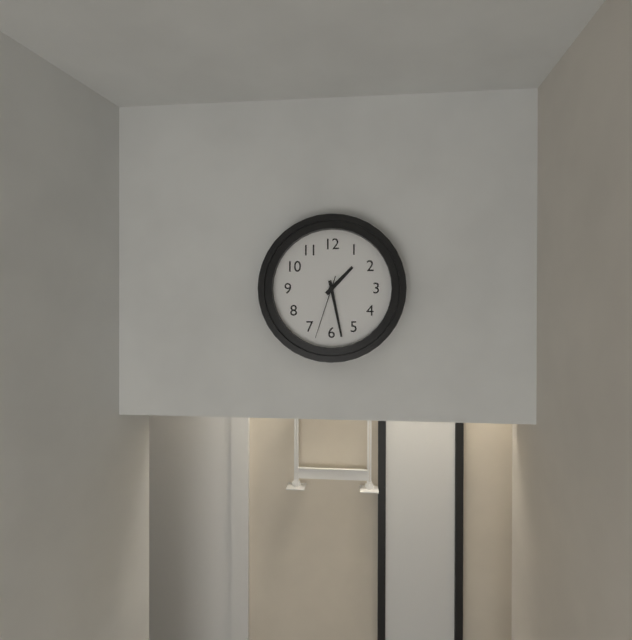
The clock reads h=1 m=28 s=33
